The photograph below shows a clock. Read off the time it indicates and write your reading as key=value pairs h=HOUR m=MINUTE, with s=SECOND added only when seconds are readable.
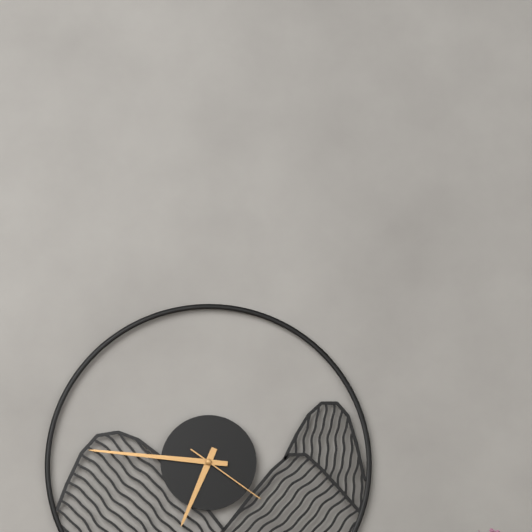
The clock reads h=6 m=46 s=21
